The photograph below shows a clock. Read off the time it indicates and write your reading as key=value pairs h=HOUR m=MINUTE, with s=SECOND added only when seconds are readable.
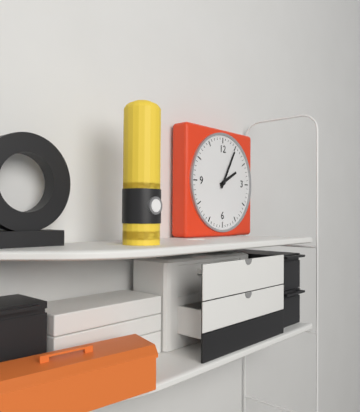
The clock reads h=2 m=5
